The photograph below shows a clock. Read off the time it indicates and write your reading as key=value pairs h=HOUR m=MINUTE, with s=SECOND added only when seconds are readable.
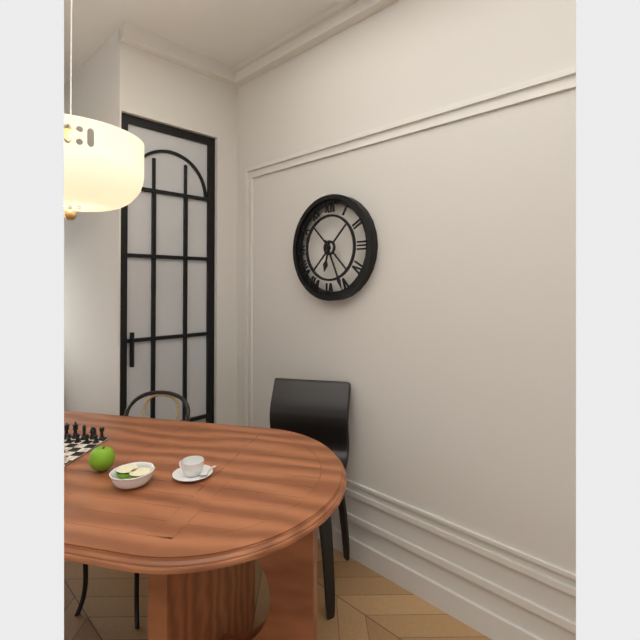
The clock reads h=6 m=26
